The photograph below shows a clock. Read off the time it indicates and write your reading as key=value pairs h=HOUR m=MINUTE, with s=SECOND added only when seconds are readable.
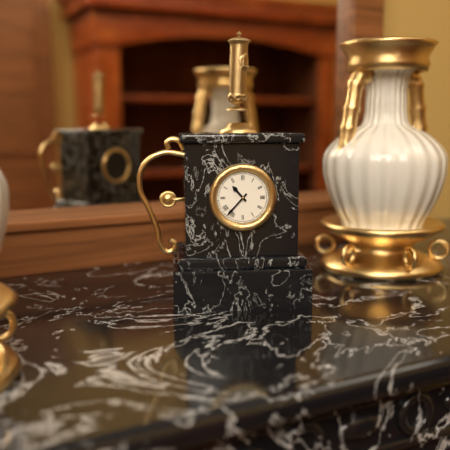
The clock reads h=10 m=37
